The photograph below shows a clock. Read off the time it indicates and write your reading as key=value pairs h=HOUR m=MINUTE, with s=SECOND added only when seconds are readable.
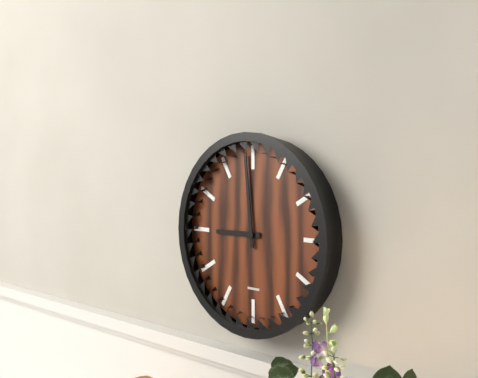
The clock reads h=8 m=59
